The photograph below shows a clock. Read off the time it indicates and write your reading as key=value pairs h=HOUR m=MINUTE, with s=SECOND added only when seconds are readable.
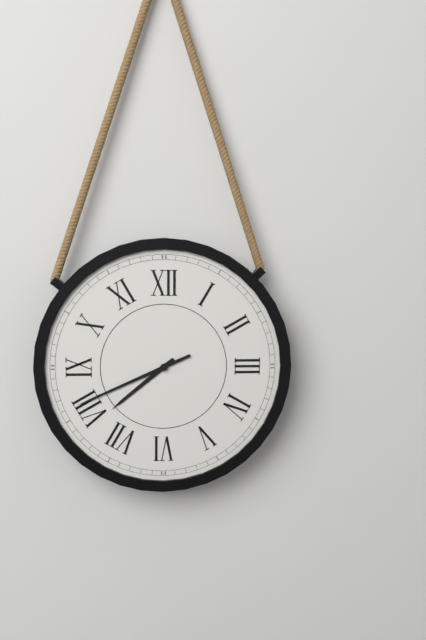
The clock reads h=7 m=41
